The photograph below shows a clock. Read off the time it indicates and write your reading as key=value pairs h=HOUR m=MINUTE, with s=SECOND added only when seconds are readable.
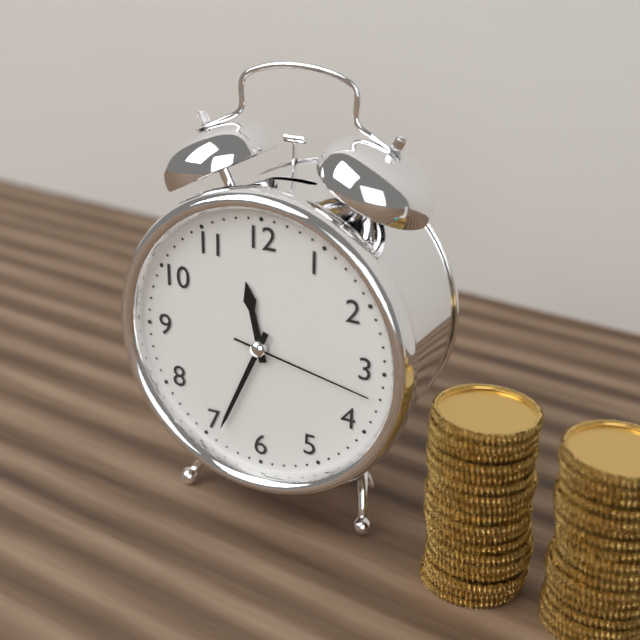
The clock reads h=11 m=34 s=17
